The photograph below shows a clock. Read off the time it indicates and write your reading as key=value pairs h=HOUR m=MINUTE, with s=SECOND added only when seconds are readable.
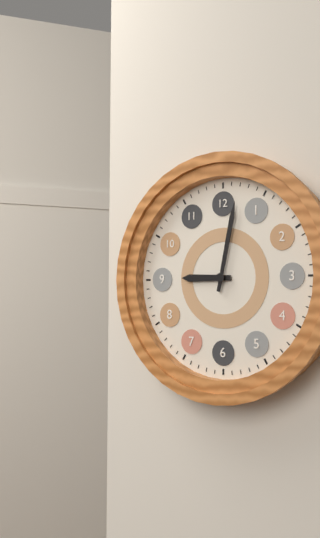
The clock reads h=9 m=2
